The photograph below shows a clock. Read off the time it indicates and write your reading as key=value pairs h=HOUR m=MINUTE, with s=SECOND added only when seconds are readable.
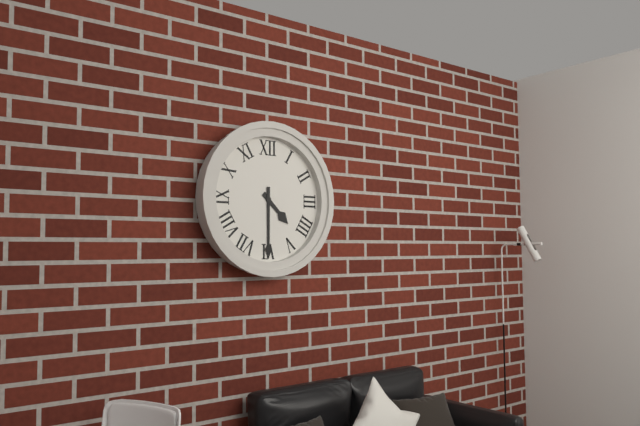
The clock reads h=4 m=30
